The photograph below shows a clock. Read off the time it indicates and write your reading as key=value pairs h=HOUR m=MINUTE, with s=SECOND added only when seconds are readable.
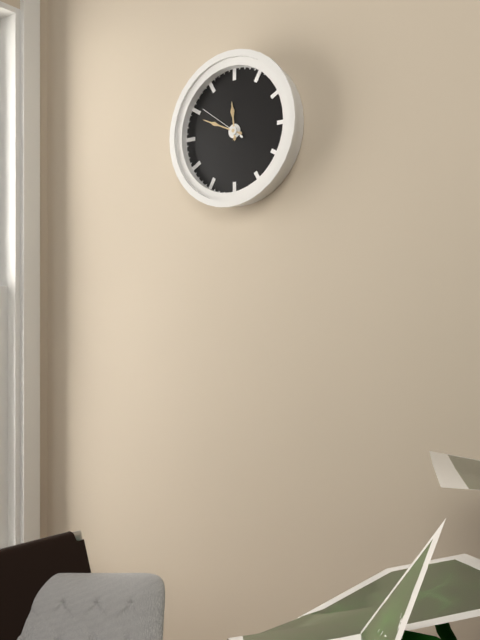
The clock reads h=11 m=49 s=51
